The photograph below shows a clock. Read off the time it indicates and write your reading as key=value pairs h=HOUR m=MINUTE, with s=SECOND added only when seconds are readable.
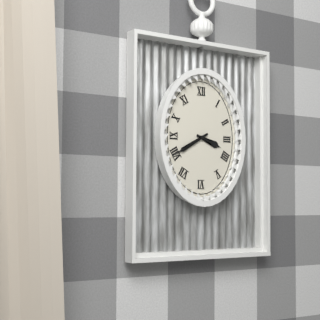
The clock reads h=3 m=40
